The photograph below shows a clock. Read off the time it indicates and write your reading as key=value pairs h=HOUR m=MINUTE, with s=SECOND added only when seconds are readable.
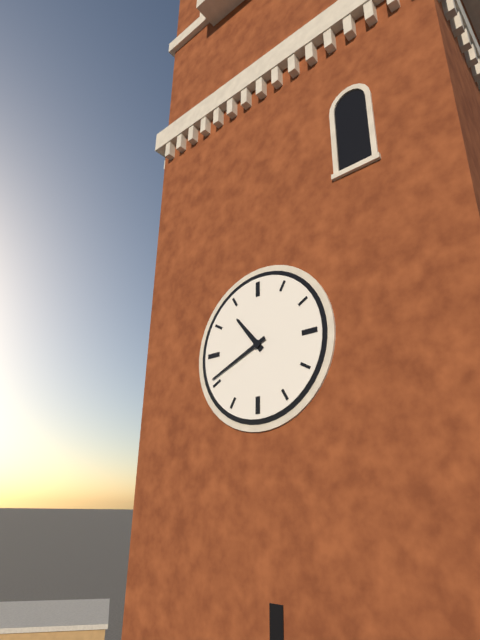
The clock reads h=10 m=41
